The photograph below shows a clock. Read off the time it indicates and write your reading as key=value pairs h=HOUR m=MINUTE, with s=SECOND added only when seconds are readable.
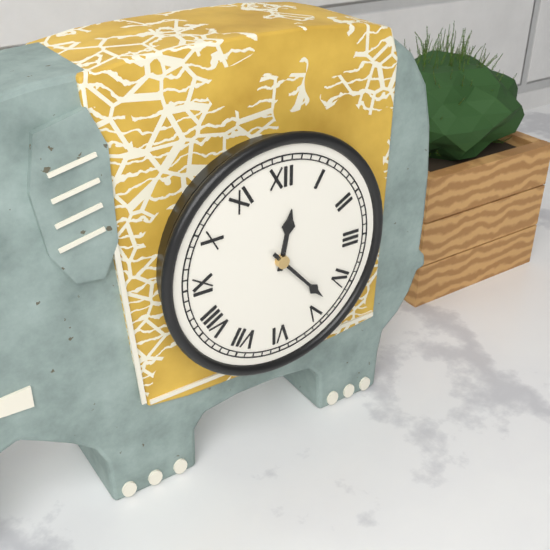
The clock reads h=12 m=23
